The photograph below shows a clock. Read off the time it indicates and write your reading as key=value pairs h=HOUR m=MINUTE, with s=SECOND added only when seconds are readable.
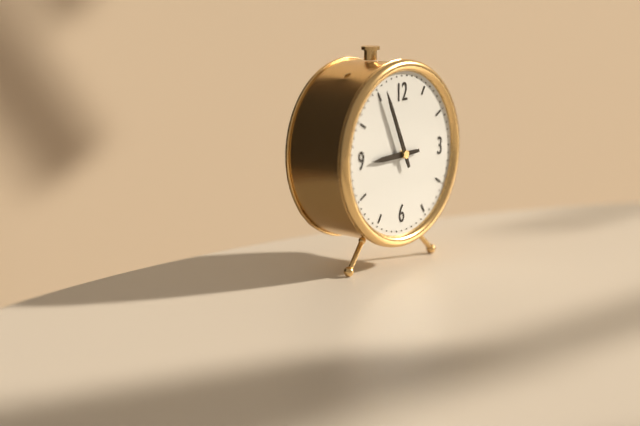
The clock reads h=8 m=56
